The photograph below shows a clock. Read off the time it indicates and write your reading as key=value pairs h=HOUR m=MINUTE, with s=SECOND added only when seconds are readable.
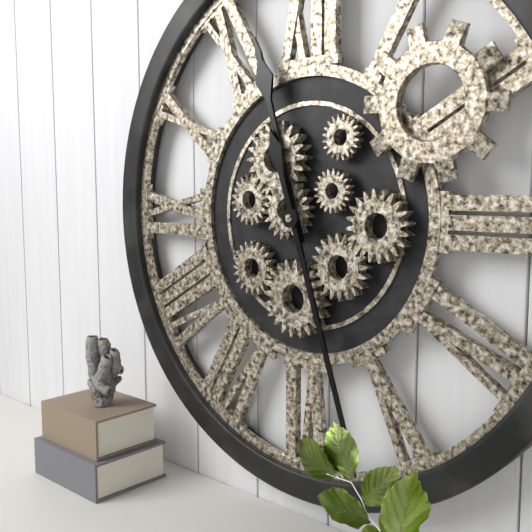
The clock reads h=11 m=27
